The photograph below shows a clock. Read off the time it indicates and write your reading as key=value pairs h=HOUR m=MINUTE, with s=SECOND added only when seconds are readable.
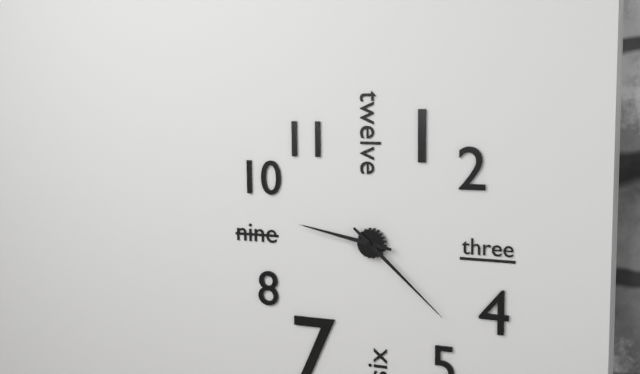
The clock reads h=9 m=22
